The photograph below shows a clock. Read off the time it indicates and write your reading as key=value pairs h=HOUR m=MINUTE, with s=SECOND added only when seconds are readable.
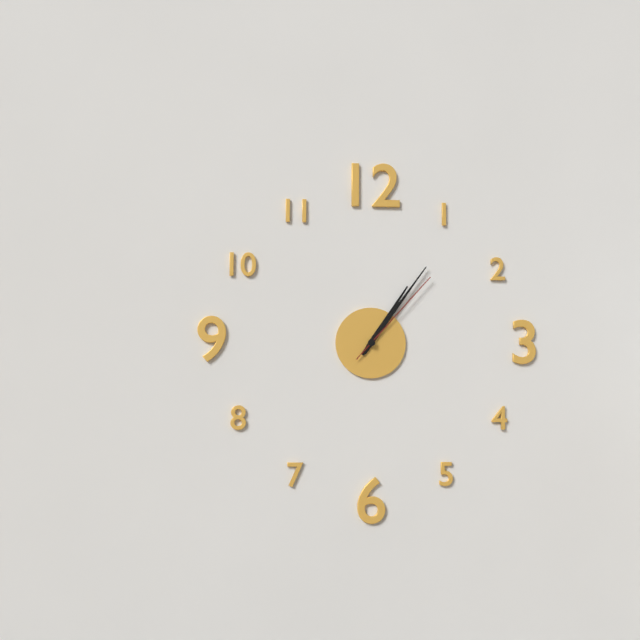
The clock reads h=1 m=6 s=7
